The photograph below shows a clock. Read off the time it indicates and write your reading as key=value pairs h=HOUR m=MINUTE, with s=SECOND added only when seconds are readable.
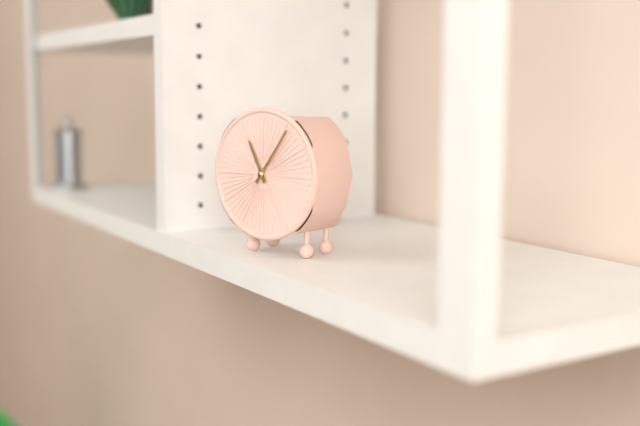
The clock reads h=11 m=6
